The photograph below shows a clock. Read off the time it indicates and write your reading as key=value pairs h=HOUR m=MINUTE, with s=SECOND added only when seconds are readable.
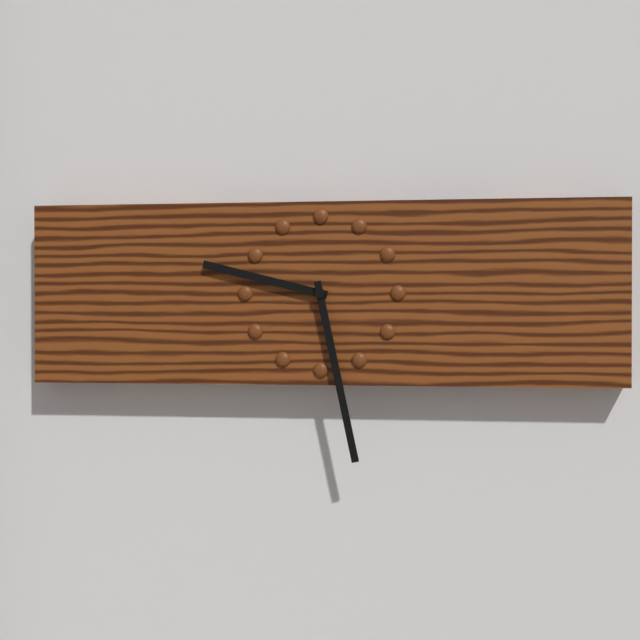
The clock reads h=9 m=28
